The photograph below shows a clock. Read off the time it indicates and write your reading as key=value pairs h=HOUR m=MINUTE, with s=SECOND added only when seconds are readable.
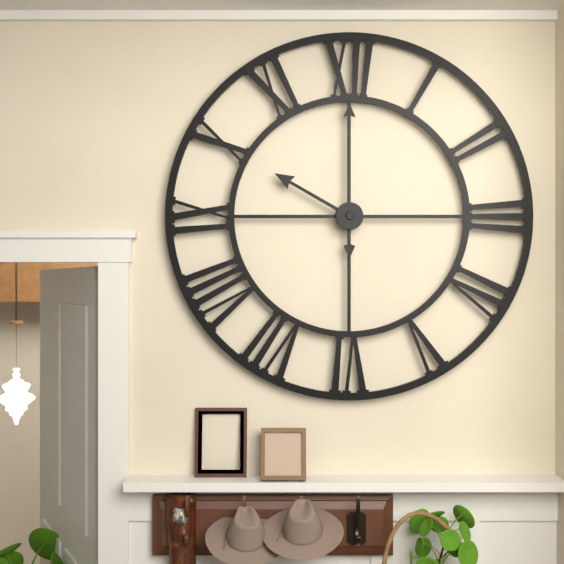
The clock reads h=10 m=0
